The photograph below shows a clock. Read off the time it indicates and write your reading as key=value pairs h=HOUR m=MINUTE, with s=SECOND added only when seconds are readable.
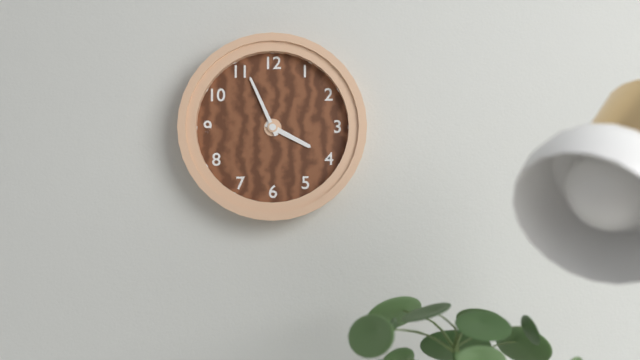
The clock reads h=3 m=56
